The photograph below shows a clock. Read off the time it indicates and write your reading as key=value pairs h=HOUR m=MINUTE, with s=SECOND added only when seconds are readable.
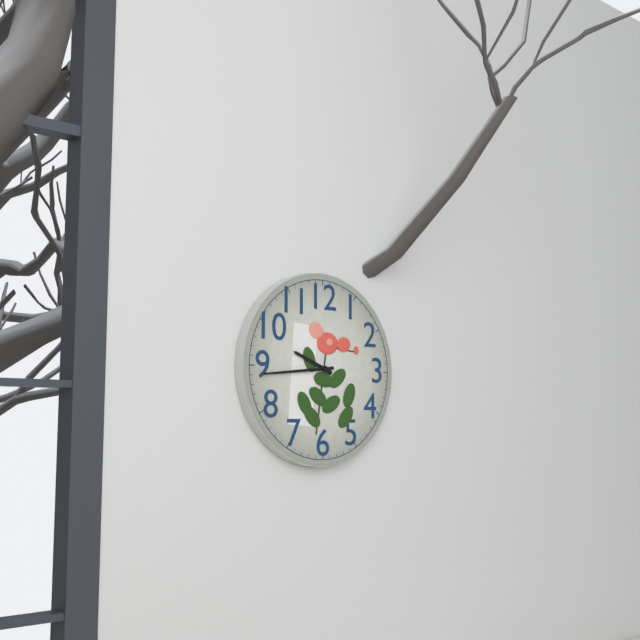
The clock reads h=9 m=44
